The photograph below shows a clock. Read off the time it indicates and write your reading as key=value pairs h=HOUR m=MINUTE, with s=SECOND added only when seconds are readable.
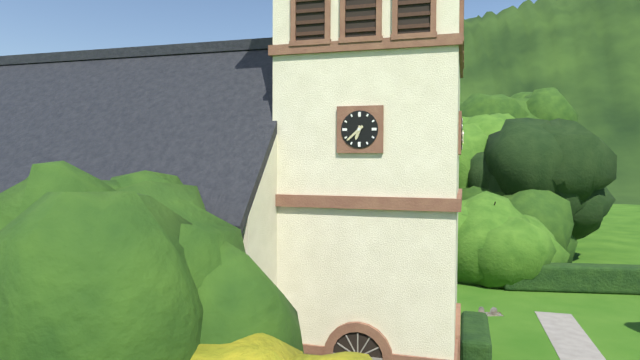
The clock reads h=6 m=38
